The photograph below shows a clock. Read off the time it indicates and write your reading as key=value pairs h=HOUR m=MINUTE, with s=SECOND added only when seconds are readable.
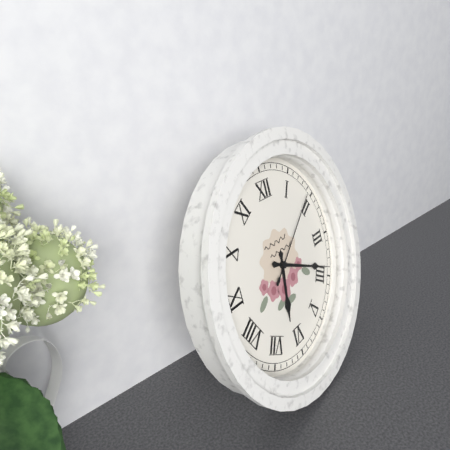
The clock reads h=6 m=19 s=9
